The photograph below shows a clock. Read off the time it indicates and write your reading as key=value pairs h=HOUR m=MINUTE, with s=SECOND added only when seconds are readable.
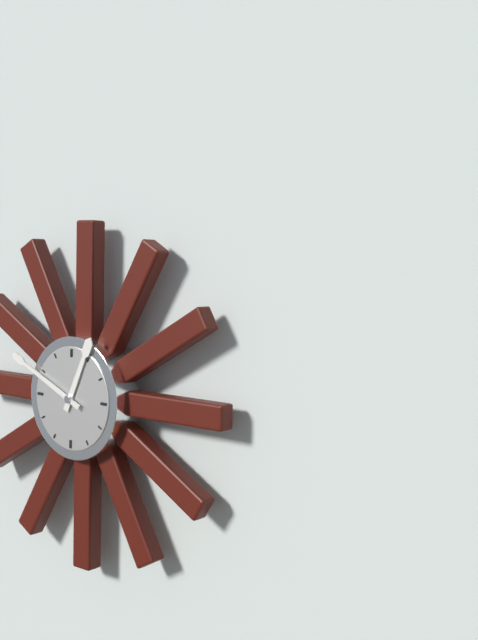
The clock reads h=12 m=49
